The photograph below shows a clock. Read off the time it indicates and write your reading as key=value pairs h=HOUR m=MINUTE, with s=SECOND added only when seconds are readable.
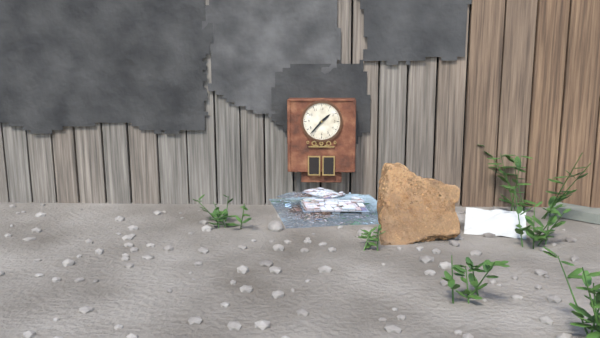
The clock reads h=1 m=37
